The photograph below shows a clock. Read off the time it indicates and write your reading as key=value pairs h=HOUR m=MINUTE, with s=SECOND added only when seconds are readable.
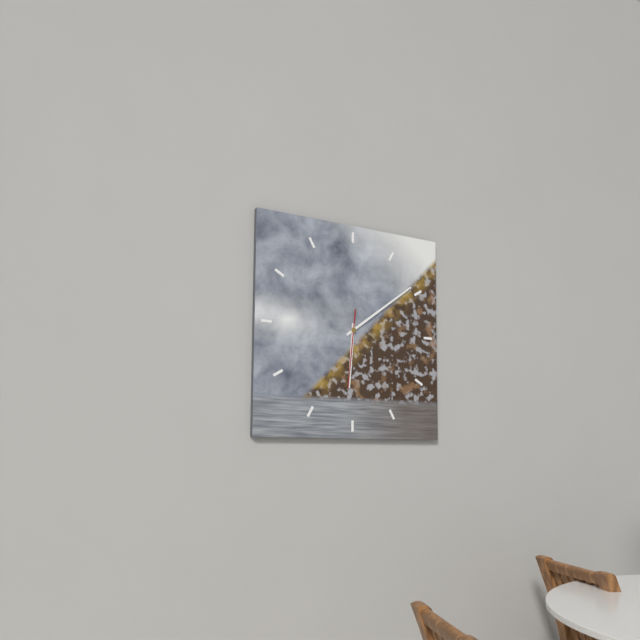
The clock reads h=6 m=9 s=31
